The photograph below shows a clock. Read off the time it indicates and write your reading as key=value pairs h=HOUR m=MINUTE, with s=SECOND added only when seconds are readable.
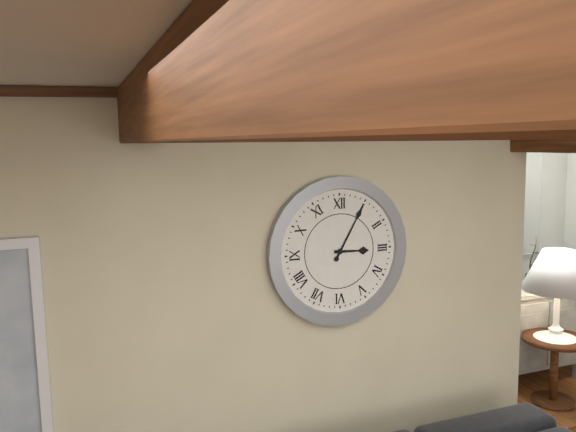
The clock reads h=3 m=5
